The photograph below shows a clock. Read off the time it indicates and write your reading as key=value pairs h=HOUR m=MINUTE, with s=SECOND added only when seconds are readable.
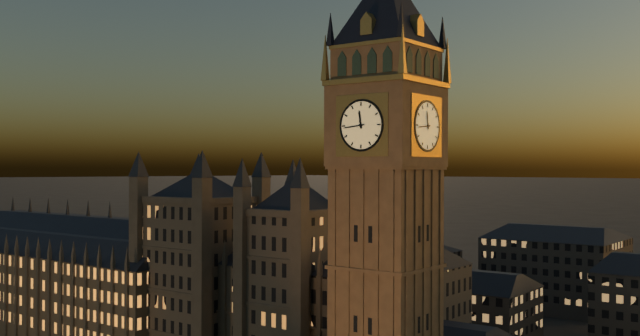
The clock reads h=11 m=44
